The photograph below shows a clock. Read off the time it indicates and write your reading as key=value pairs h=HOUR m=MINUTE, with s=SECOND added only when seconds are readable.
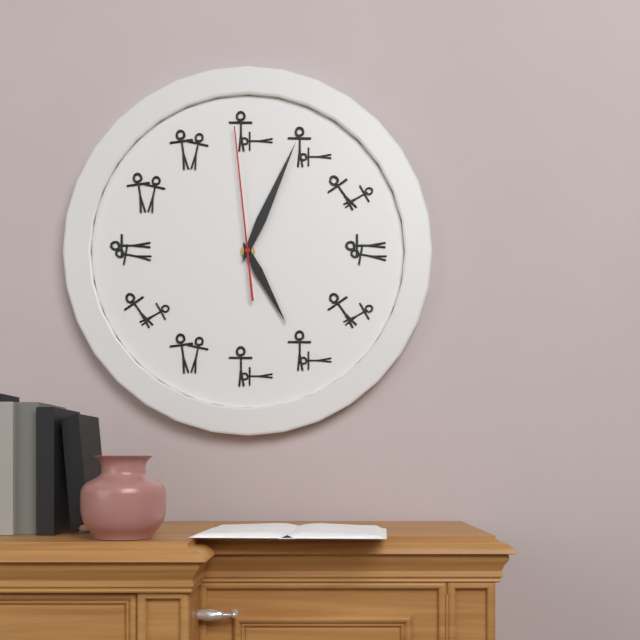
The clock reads h=5 m=4 s=59
